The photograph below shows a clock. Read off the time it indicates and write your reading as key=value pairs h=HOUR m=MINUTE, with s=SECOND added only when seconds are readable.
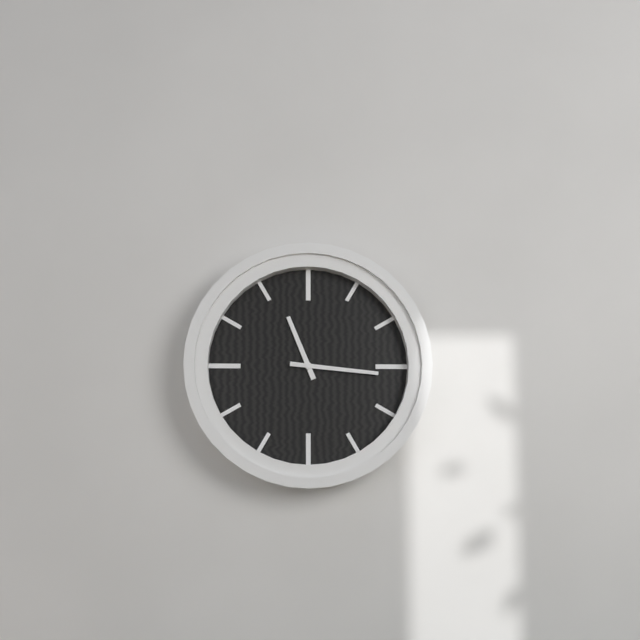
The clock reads h=11 m=16
